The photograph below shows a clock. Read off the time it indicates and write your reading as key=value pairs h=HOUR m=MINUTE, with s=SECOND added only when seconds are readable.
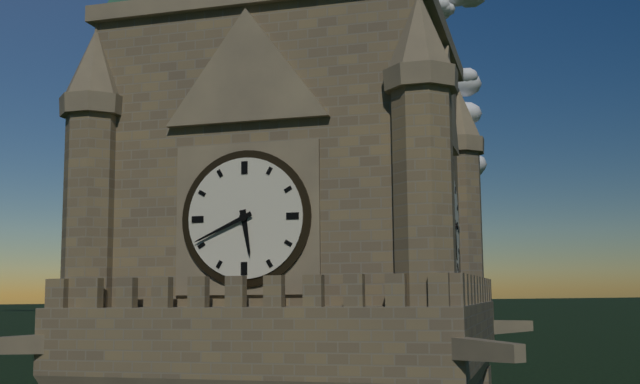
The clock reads h=5 m=41
